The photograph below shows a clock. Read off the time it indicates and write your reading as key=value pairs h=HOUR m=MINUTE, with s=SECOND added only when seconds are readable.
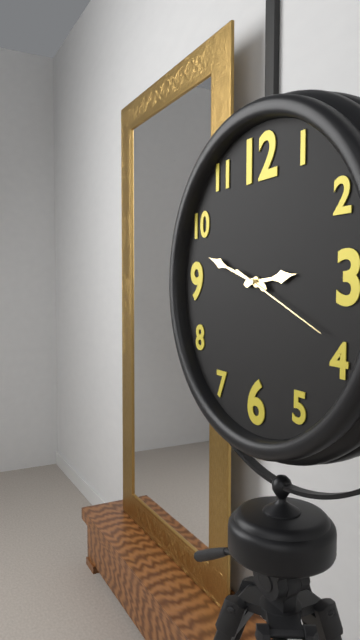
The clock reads h=2 m=48 s=19
